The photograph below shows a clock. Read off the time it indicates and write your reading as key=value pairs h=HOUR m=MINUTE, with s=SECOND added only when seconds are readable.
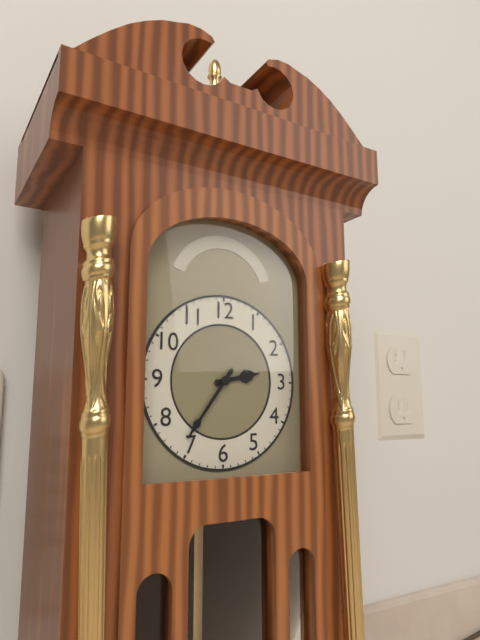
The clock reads h=2 m=36
